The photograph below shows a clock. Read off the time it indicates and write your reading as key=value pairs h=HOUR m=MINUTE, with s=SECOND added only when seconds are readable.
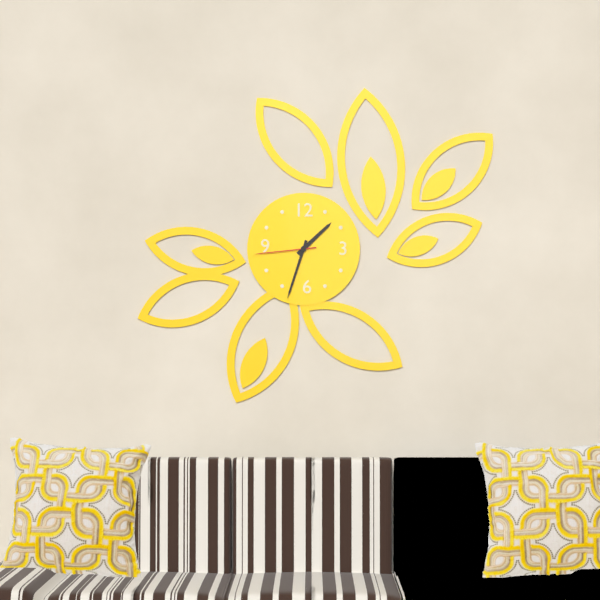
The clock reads h=1 m=33 s=44
